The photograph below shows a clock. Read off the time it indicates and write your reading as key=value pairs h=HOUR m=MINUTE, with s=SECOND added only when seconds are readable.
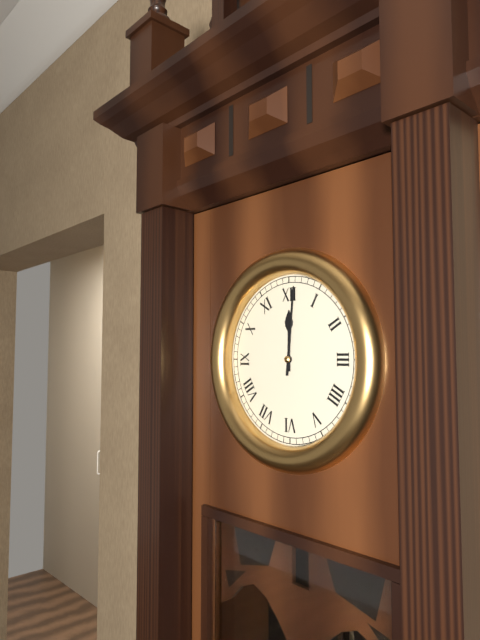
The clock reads h=12 m=1
